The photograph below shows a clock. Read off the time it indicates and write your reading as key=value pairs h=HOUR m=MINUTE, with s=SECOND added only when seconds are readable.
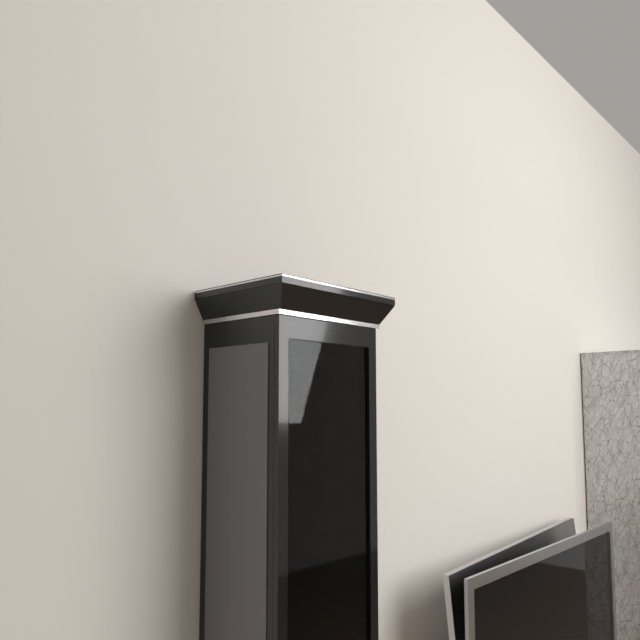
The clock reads h=9 m=53
